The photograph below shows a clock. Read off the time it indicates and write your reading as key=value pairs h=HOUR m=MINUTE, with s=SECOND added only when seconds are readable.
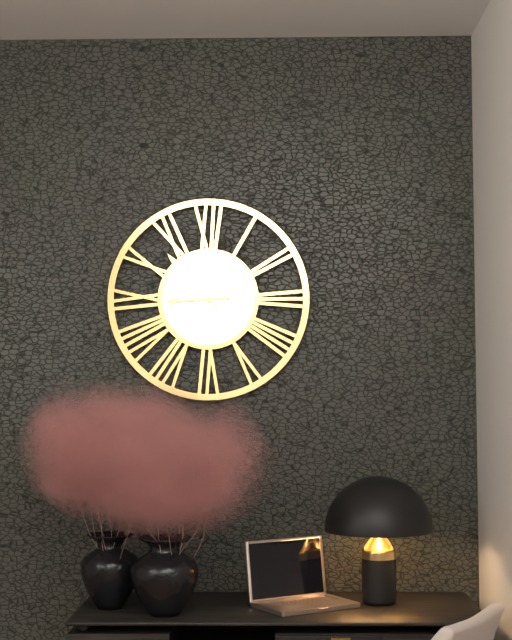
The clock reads h=8 m=53
